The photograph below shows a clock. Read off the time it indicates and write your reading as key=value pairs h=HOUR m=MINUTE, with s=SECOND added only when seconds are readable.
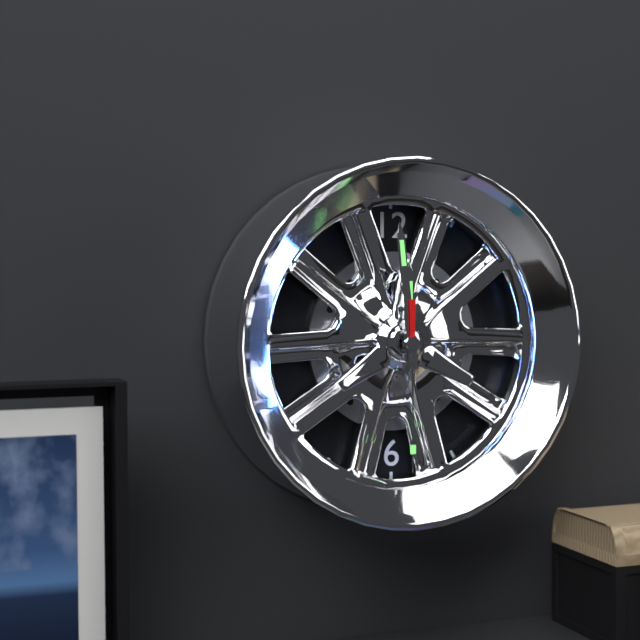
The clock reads h=11 m=59 s=30
